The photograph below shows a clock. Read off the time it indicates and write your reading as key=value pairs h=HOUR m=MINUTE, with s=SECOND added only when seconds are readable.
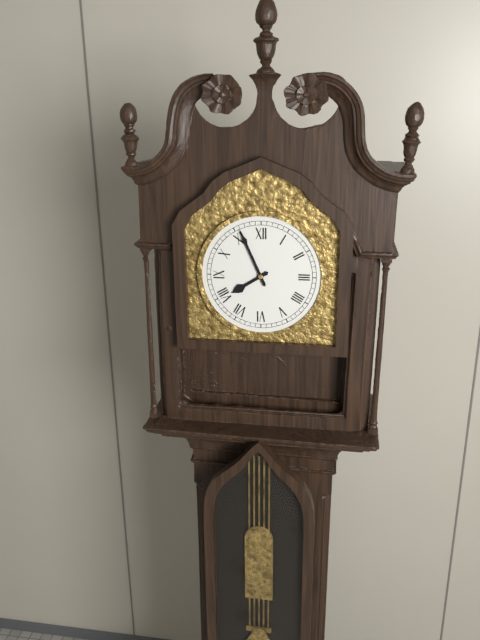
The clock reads h=7 m=56
